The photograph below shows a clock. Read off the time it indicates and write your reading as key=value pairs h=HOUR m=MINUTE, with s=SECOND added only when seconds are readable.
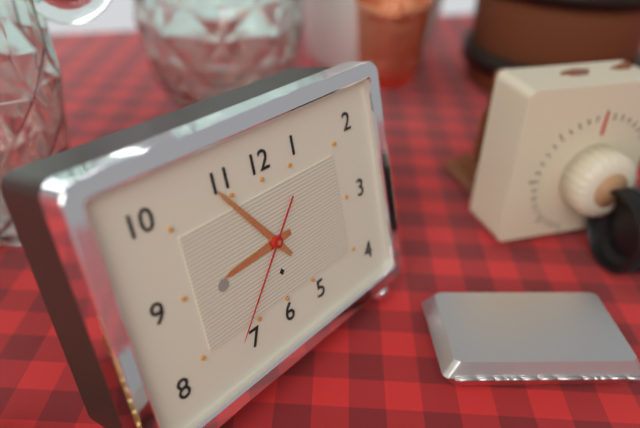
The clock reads h=8 m=54 s=37
